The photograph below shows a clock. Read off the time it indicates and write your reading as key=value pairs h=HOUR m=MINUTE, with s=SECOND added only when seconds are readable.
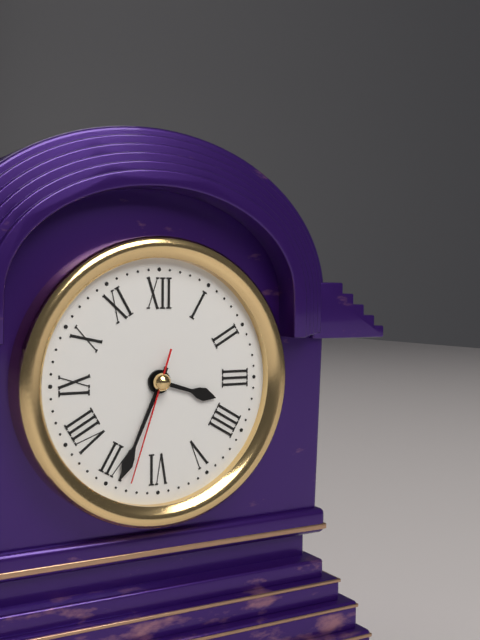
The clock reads h=3 m=34 s=33
